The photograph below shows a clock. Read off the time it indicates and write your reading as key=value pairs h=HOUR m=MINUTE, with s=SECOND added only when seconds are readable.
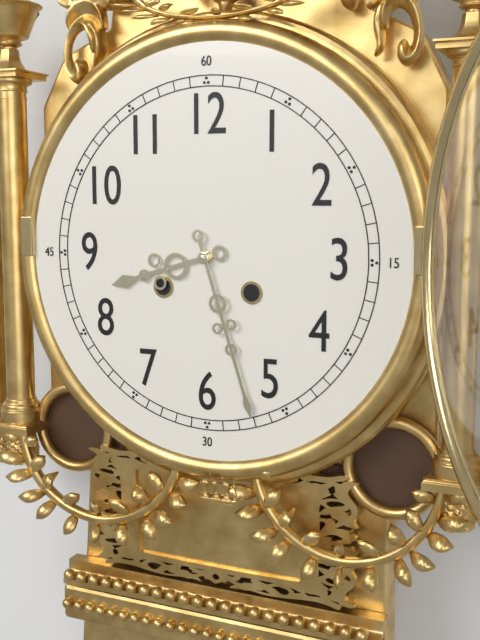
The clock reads h=8 m=27
